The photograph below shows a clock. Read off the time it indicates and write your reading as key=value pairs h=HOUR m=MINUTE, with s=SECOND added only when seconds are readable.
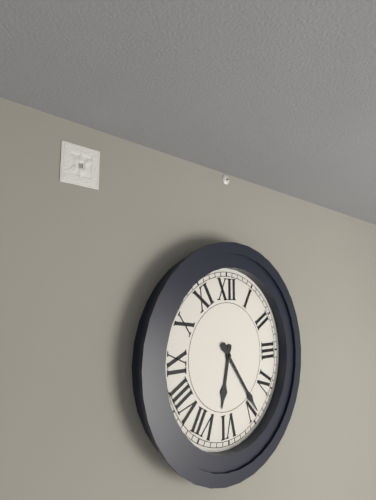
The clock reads h=6 m=24
